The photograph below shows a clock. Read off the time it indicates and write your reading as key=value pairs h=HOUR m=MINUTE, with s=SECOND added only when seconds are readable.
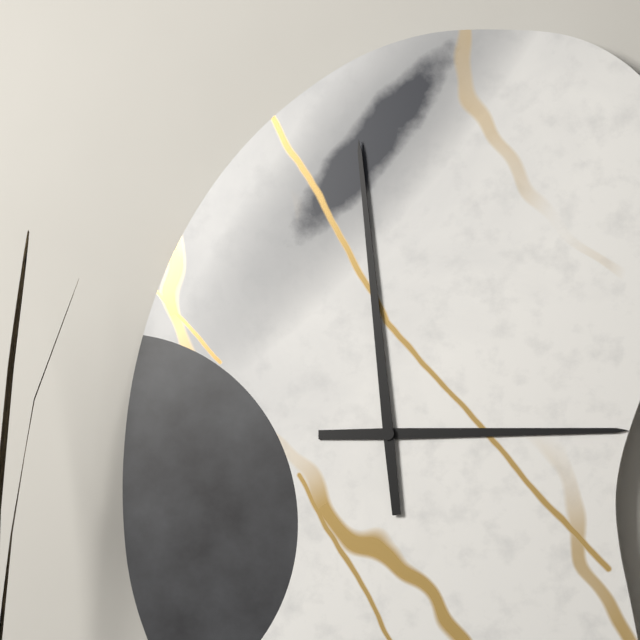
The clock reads h=2 m=59
